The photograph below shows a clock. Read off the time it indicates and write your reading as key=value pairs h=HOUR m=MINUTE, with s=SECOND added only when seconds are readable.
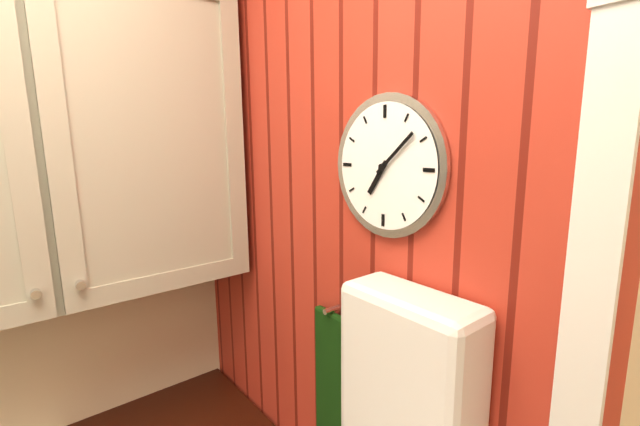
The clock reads h=7 m=8
